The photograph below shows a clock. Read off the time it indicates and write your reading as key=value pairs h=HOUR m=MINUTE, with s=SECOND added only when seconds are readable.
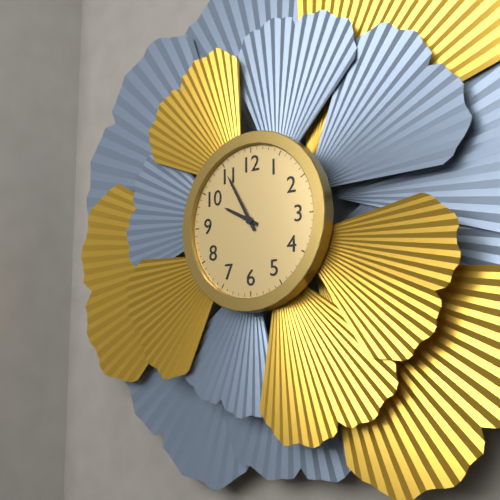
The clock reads h=9 m=55
